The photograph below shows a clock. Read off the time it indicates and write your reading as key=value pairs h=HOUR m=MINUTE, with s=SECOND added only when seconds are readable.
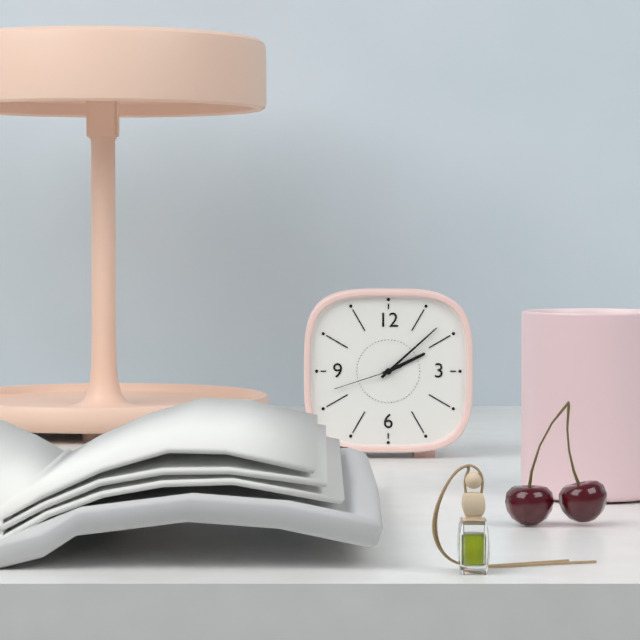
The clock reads h=2 m=8 s=42
